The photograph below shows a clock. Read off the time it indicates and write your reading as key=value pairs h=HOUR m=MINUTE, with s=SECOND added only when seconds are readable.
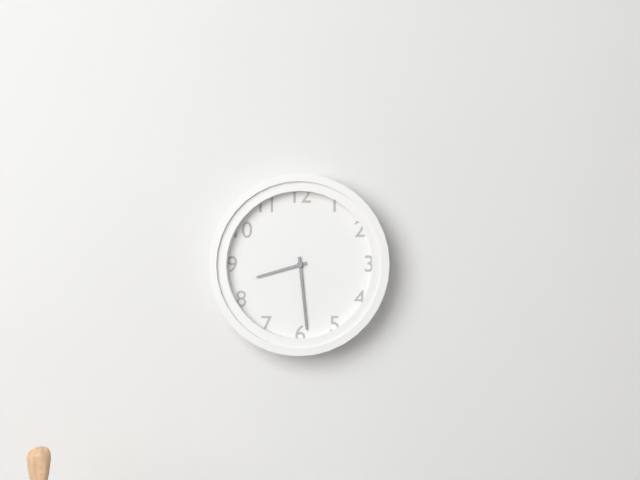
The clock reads h=8 m=29
